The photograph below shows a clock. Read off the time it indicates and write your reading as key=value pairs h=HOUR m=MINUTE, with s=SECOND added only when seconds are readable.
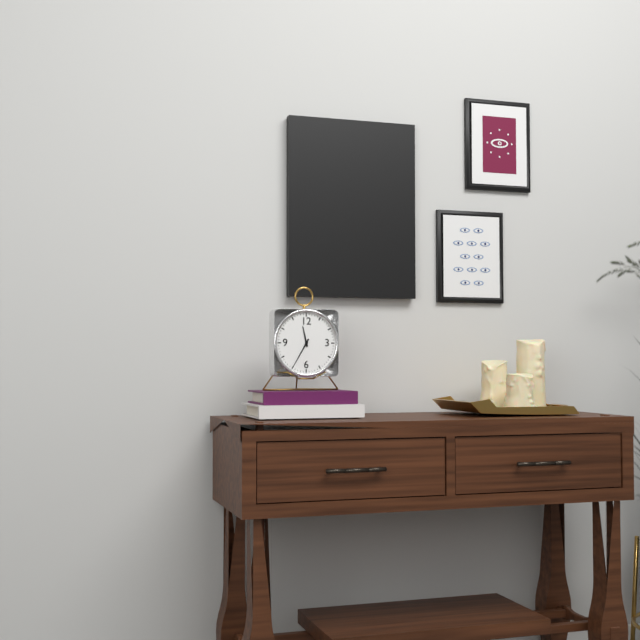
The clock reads h=11 m=35
